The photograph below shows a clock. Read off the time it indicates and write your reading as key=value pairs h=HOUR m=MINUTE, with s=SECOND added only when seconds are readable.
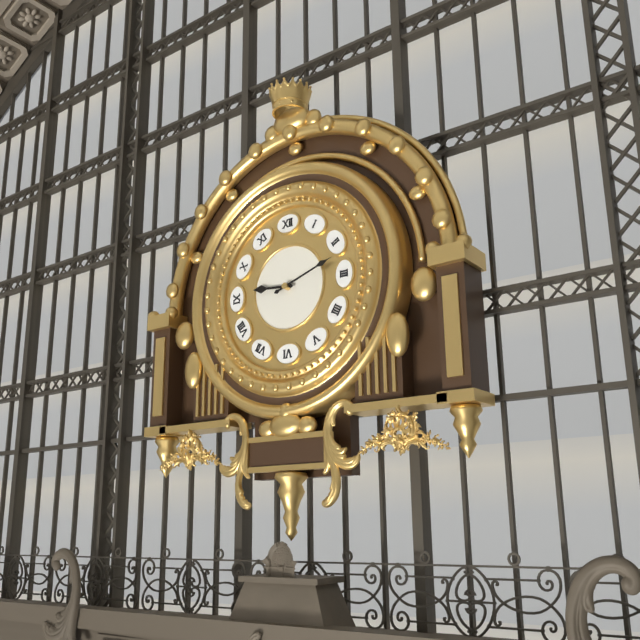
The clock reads h=9 m=12
